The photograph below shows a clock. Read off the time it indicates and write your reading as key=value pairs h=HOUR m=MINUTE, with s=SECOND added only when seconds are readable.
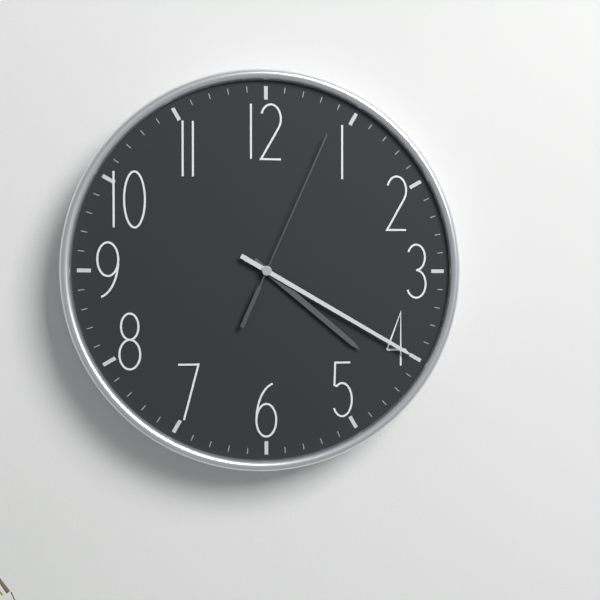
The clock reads h=4 m=20 s=4
